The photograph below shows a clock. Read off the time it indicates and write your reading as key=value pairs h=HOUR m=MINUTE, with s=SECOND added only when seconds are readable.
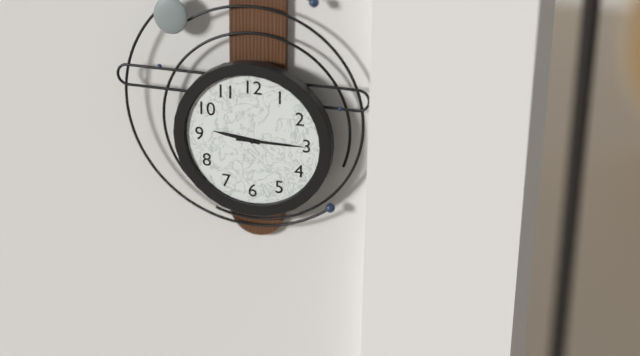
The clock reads h=9 m=15
